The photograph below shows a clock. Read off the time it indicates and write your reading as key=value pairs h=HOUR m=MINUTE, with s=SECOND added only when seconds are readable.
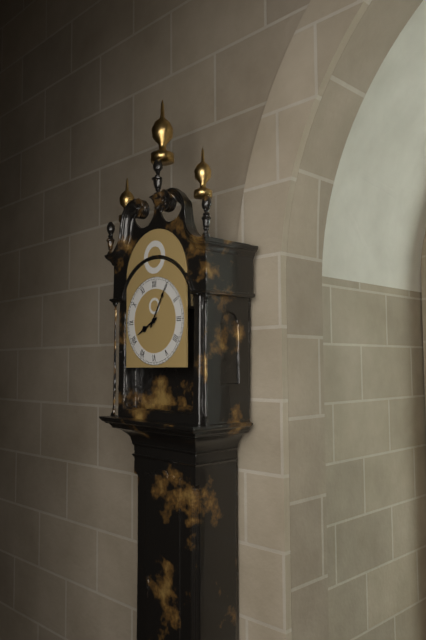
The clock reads h=8 m=5
